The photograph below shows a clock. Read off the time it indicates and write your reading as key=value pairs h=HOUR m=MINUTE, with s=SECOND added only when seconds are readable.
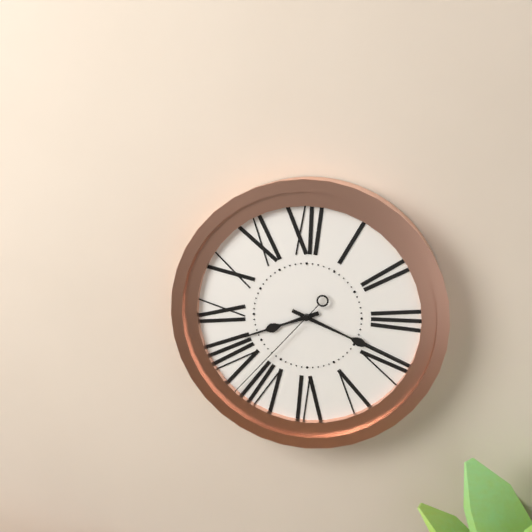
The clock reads h=8 m=19 s=37
